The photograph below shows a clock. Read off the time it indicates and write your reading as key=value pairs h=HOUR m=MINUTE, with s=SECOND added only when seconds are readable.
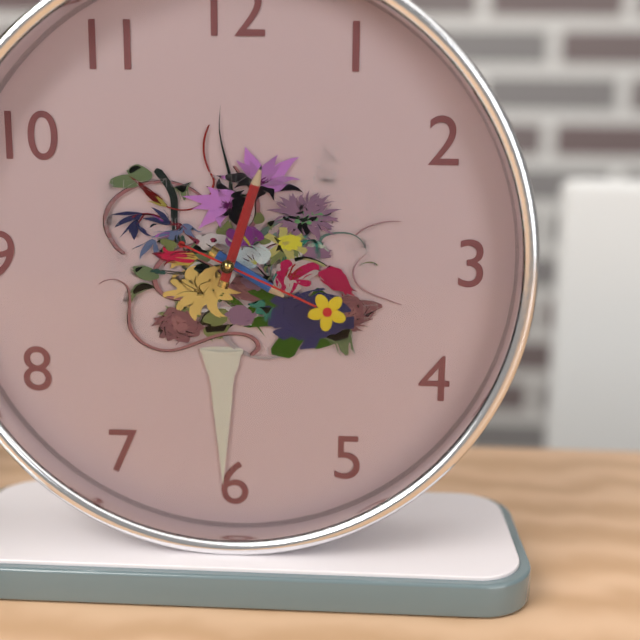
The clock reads h=4 m=3 s=19
